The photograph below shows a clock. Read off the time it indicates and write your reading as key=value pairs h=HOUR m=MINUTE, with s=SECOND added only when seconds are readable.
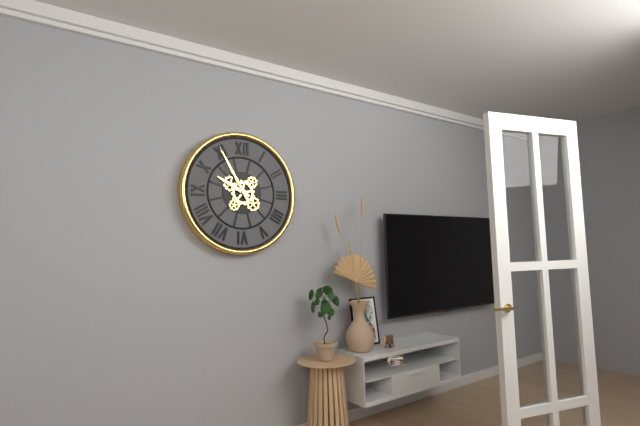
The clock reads h=9 m=55
